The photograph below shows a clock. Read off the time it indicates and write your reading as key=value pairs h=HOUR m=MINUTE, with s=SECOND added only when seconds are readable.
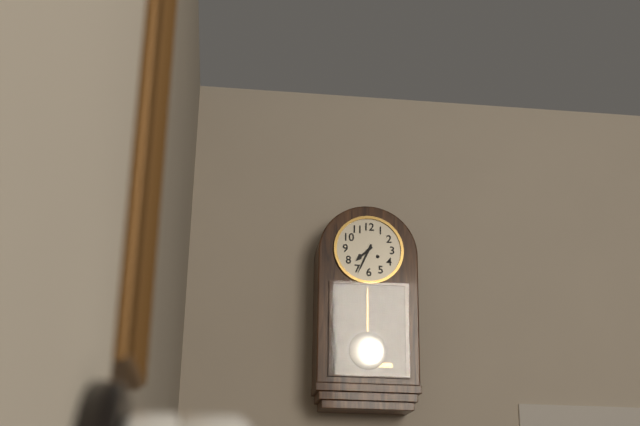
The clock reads h=7 m=34
